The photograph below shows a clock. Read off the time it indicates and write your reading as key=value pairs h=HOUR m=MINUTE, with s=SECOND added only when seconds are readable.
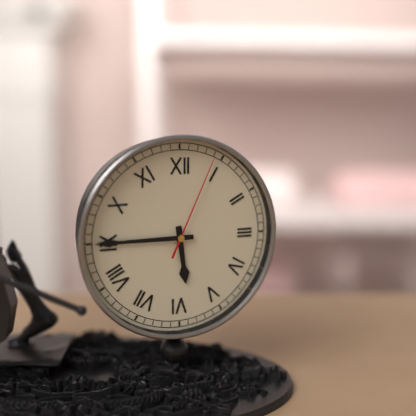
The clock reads h=5 m=45 s=4
